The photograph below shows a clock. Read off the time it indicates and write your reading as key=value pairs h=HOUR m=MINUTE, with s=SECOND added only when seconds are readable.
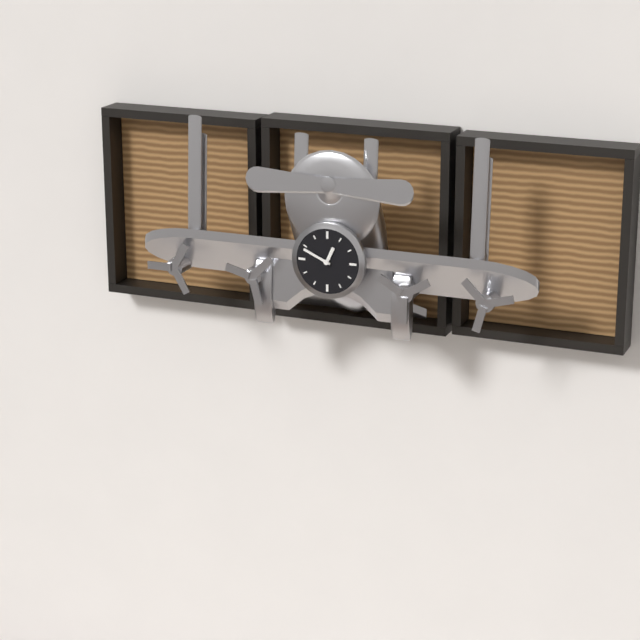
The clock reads h=12 m=49
